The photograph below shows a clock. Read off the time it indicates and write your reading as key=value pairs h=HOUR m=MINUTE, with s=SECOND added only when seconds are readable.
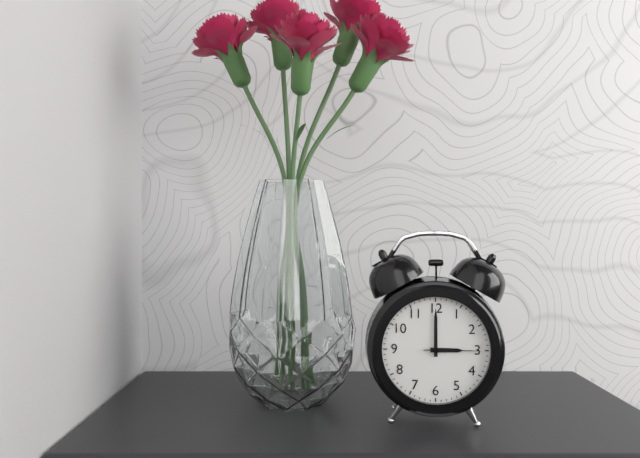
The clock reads h=3 m=0 s=15
